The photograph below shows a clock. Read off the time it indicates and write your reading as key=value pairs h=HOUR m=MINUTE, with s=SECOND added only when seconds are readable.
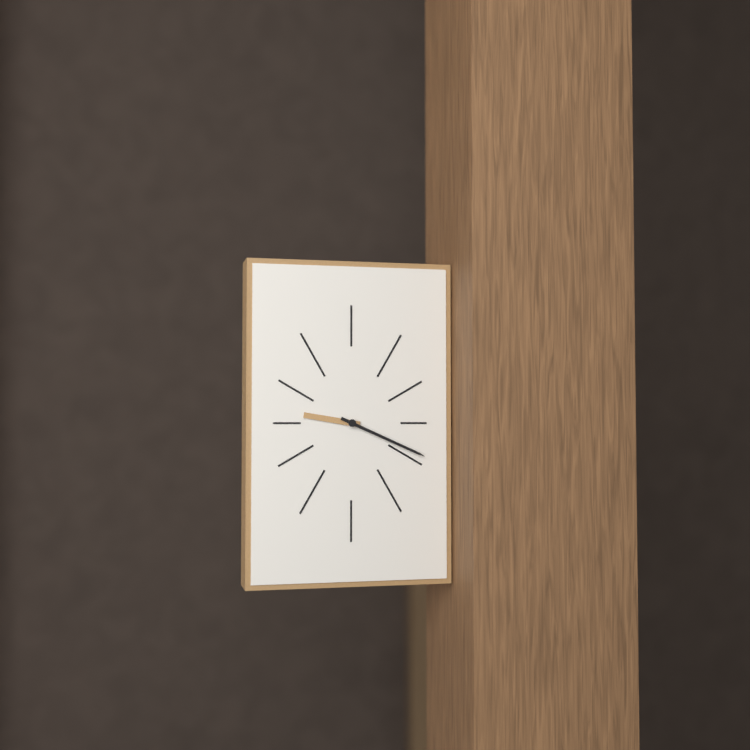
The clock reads h=9 m=19
